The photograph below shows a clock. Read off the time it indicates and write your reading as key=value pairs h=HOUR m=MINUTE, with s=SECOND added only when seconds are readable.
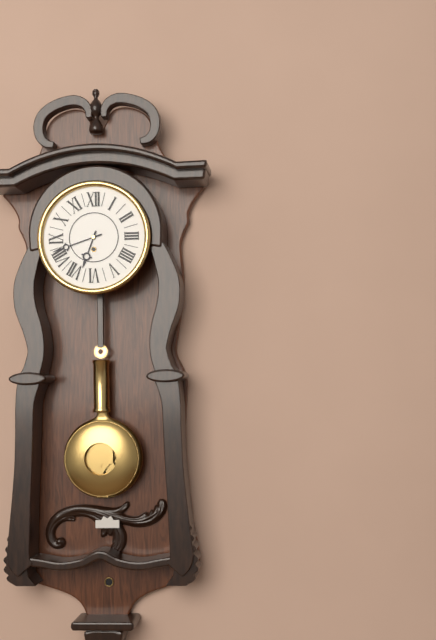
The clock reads h=6 m=42
